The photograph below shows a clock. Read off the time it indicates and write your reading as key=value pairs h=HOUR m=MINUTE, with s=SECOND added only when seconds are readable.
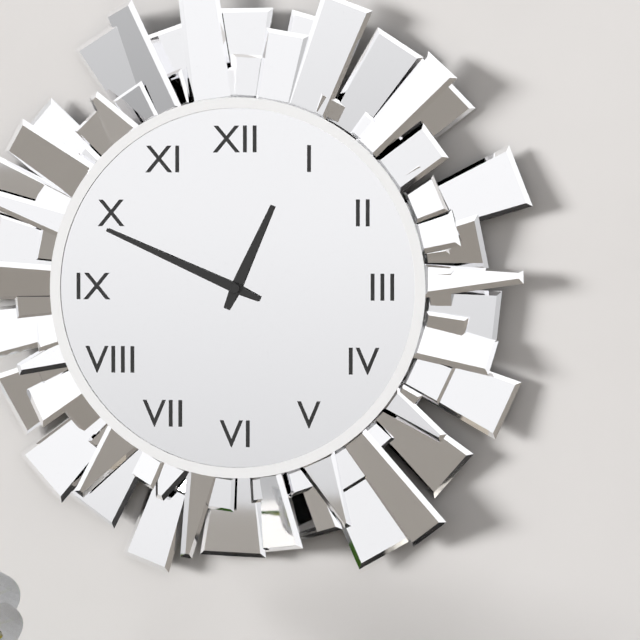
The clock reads h=12 m=49
